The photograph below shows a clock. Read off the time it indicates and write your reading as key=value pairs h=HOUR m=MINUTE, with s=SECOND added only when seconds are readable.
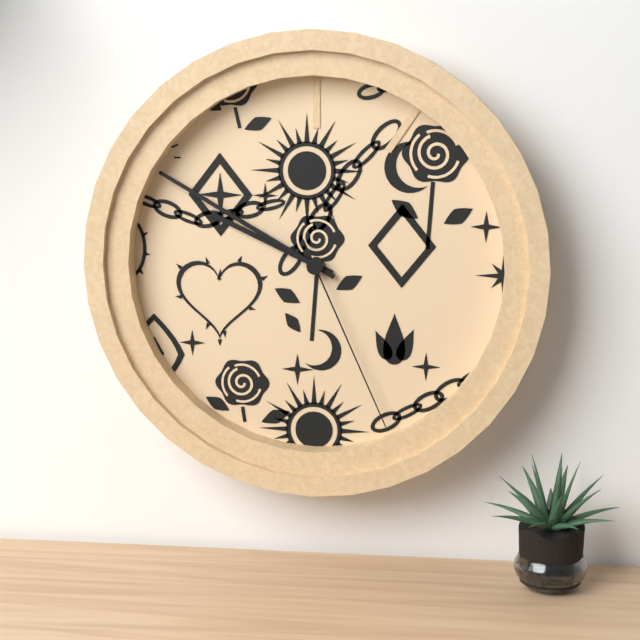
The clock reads h=9 m=50 s=26
